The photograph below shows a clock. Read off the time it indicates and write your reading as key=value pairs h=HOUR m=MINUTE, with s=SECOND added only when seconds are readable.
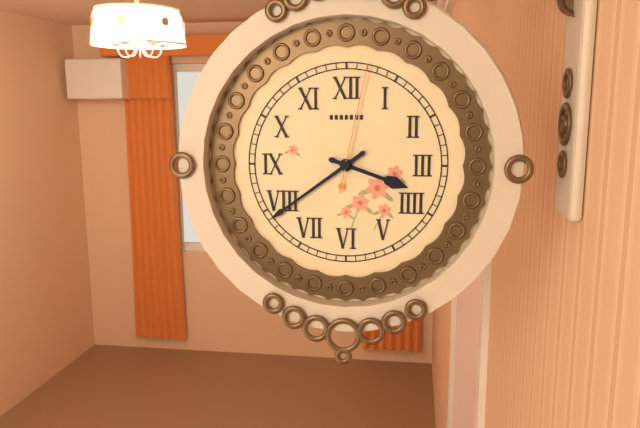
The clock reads h=3 m=39 s=2
